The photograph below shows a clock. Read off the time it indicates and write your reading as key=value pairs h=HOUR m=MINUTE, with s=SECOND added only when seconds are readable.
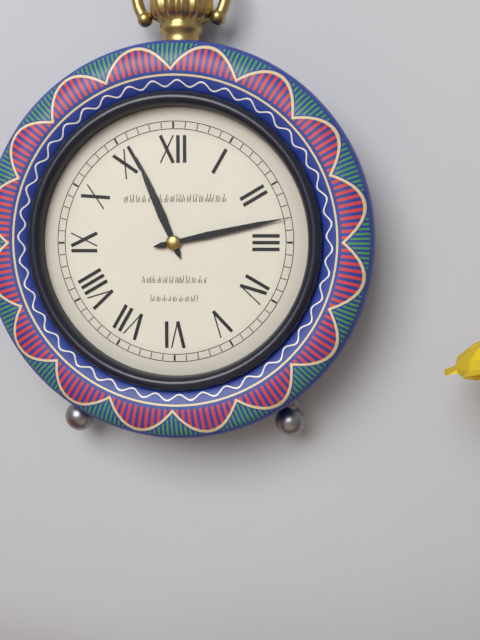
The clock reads h=11 m=13
